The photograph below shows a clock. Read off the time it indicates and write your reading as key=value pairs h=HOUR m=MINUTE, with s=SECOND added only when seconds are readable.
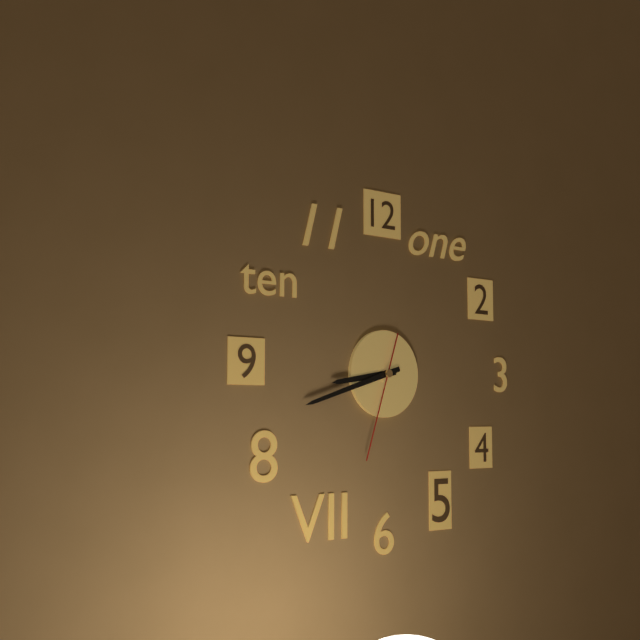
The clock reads h=8 m=42 s=33
